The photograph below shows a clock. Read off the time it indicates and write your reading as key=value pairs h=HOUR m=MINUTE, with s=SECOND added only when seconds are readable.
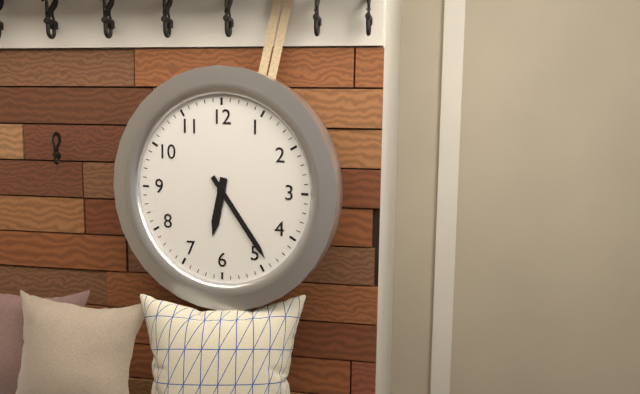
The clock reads h=6 m=24
